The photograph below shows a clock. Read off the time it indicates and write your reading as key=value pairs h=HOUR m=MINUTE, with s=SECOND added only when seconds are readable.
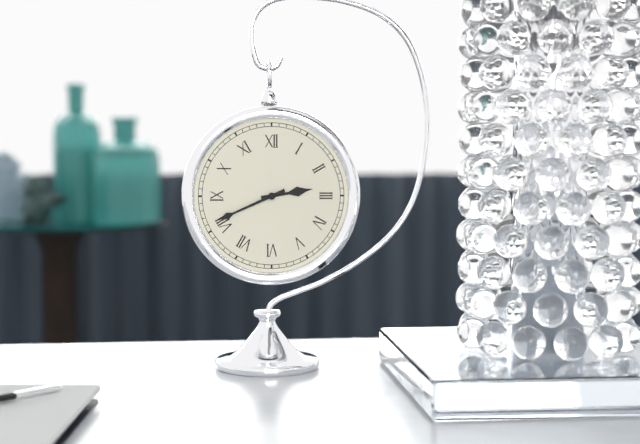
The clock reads h=2 m=41
